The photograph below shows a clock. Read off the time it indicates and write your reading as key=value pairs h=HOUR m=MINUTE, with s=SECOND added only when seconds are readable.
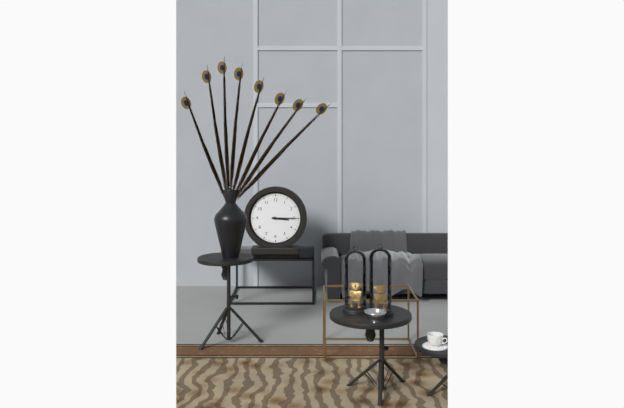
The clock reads h=3 m=15
